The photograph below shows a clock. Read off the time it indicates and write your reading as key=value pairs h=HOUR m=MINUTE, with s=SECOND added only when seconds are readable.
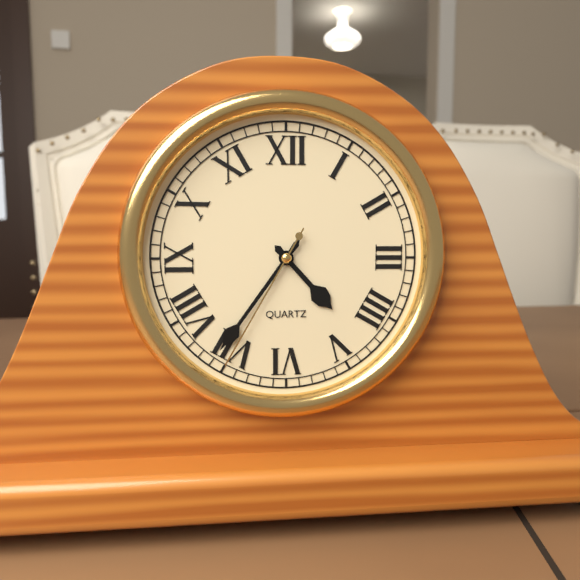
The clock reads h=4 m=36 s=35
